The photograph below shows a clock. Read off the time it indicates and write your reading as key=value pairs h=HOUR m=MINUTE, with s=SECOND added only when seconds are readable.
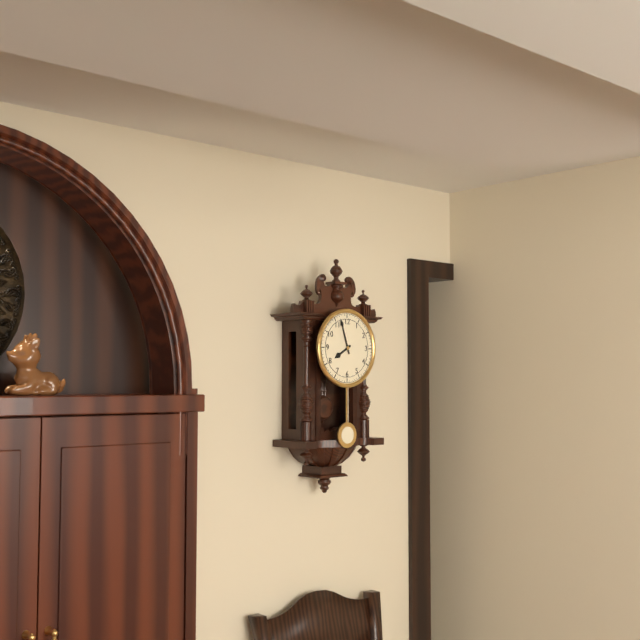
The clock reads h=7 m=57
